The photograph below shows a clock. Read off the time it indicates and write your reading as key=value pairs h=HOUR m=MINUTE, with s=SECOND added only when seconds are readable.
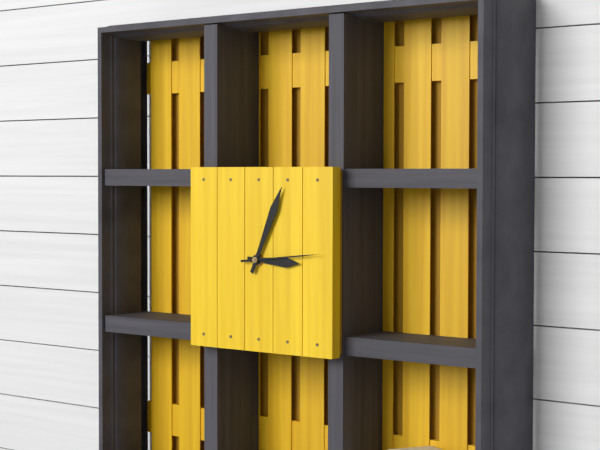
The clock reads h=3 m=4 s=14
